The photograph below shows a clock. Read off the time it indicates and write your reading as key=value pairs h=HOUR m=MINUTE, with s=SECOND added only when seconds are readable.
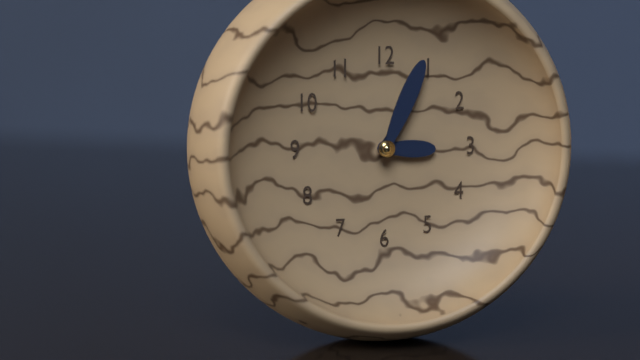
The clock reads h=3 m=4
